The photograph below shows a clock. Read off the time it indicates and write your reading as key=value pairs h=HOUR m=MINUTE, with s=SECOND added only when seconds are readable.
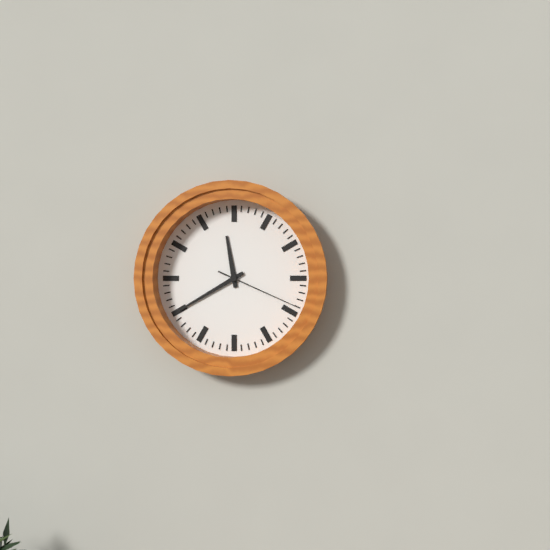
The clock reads h=11 m=40 s=19
